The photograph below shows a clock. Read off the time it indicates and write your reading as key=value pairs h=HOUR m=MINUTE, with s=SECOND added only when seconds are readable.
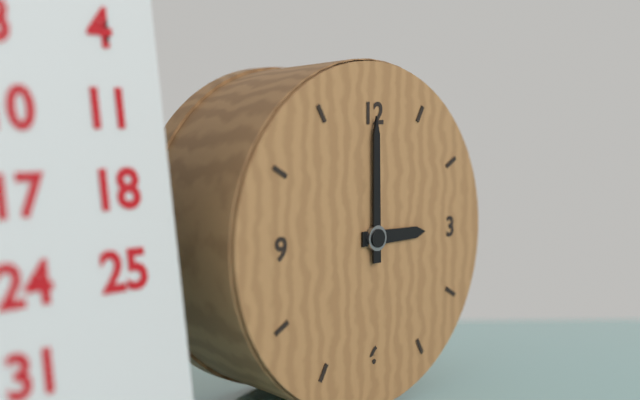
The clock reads h=3 m=0
